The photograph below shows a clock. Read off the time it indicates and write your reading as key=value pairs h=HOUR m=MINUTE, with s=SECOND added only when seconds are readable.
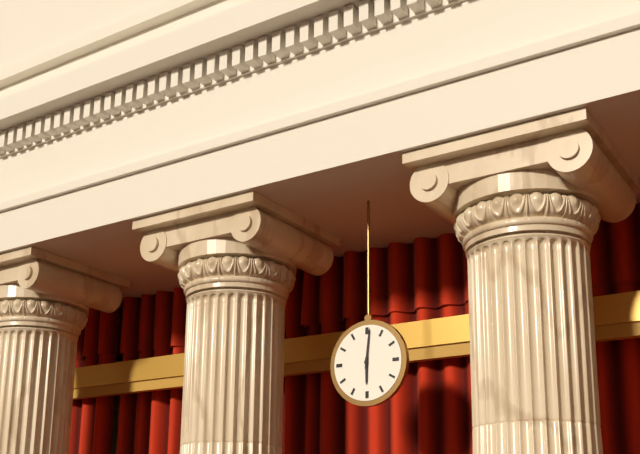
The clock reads h=6 m=1
